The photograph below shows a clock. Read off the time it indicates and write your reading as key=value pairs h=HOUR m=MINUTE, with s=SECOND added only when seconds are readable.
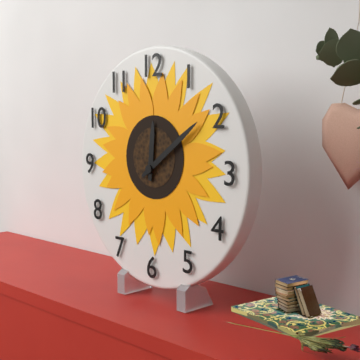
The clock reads h=12 m=9
